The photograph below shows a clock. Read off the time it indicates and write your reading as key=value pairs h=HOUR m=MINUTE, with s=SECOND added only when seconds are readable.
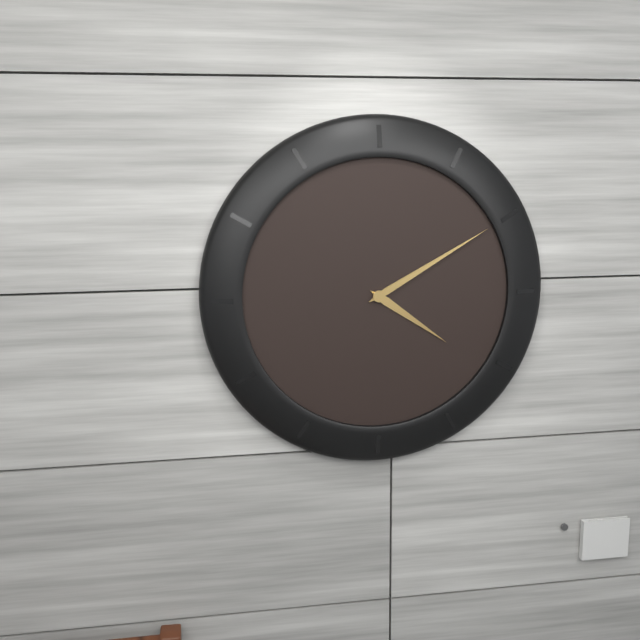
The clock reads h=4 m=10
